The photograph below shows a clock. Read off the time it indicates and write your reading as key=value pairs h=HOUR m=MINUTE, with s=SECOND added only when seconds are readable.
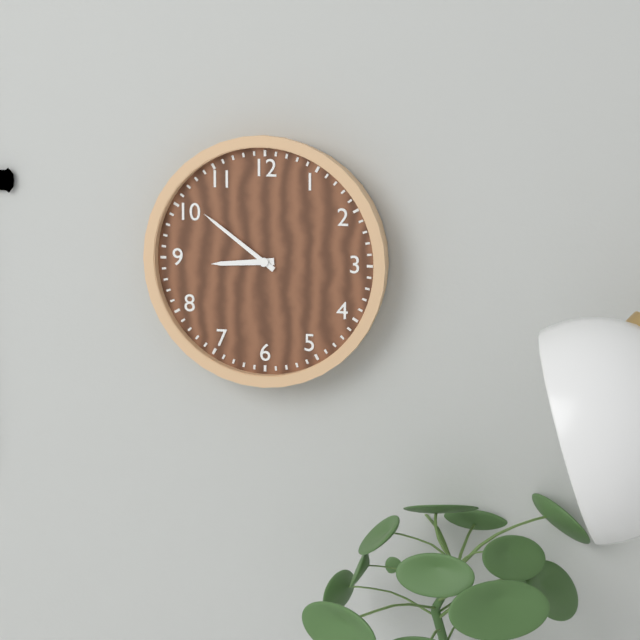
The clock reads h=8 m=51
